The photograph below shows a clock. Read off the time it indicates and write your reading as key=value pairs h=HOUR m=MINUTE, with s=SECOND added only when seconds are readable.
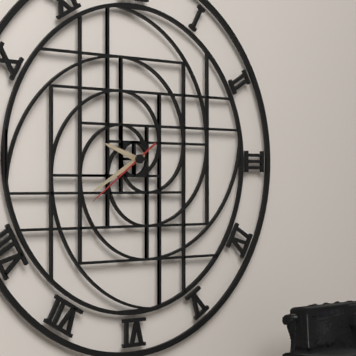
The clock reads h=9 m=40 s=39
